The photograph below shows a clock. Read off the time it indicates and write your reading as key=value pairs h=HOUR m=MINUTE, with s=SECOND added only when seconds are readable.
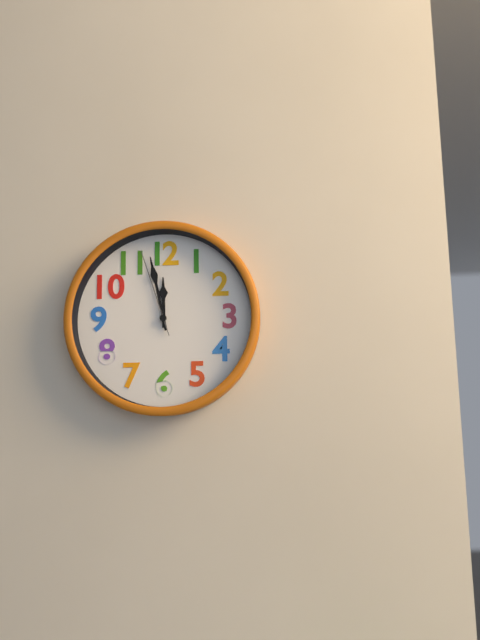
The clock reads h=11 m=58 s=57
